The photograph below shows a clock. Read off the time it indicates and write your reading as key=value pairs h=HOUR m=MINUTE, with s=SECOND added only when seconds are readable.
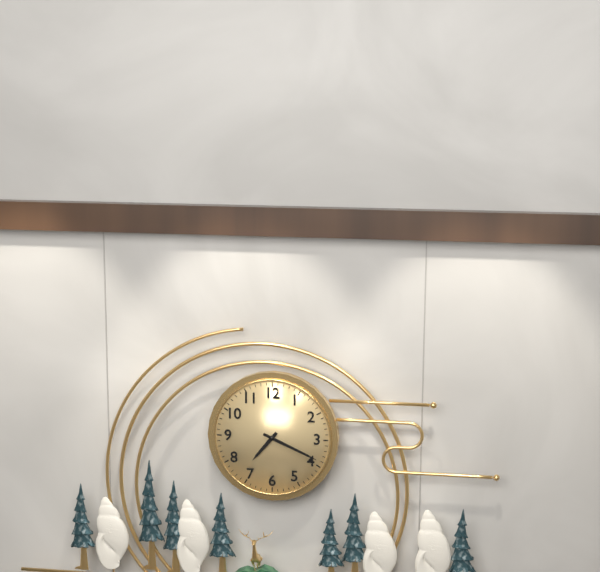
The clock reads h=7 m=19
